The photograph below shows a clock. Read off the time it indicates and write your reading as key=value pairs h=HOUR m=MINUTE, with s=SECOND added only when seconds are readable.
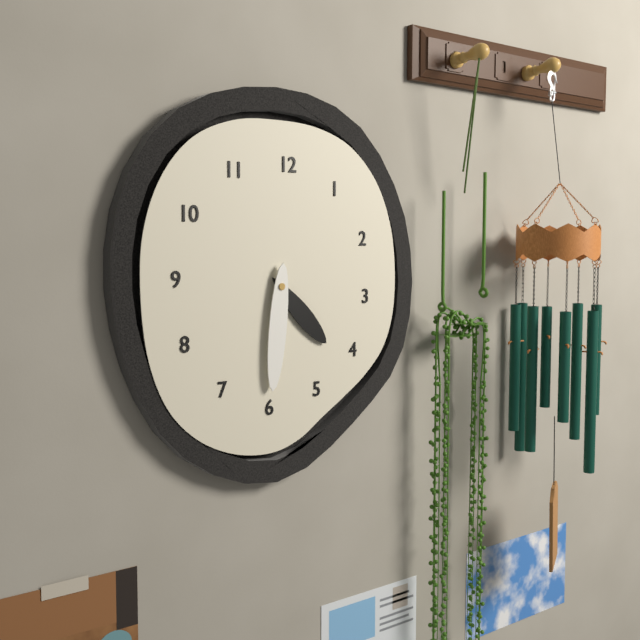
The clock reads h=4 m=31
